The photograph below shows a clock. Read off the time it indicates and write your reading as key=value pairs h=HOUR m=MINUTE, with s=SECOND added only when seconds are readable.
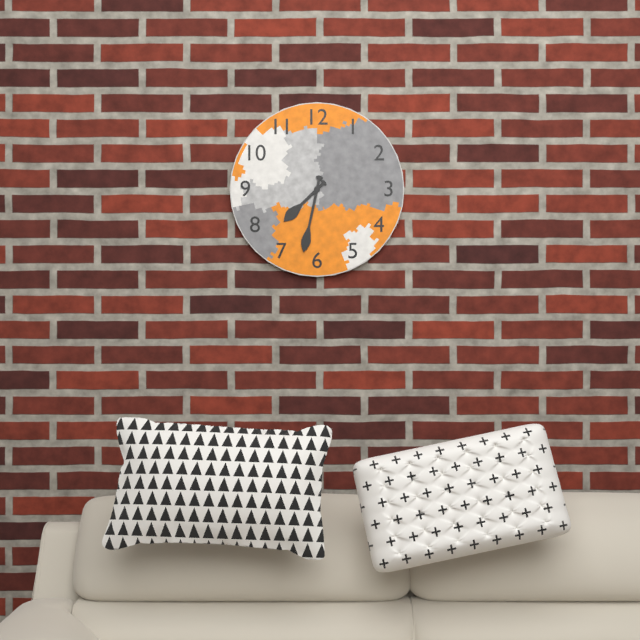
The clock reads h=7 m=32
